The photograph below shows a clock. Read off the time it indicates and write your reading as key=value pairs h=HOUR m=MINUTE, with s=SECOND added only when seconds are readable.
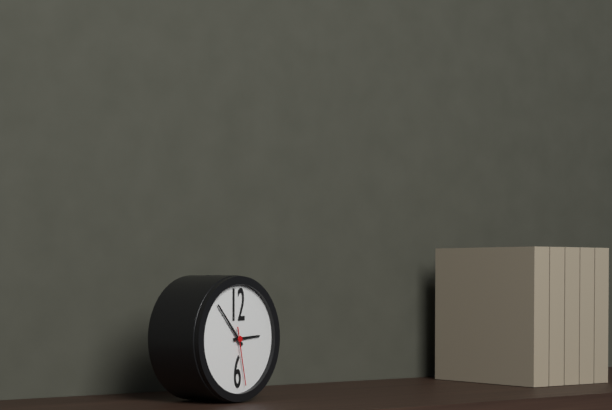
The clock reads h=2 m=53 s=28
